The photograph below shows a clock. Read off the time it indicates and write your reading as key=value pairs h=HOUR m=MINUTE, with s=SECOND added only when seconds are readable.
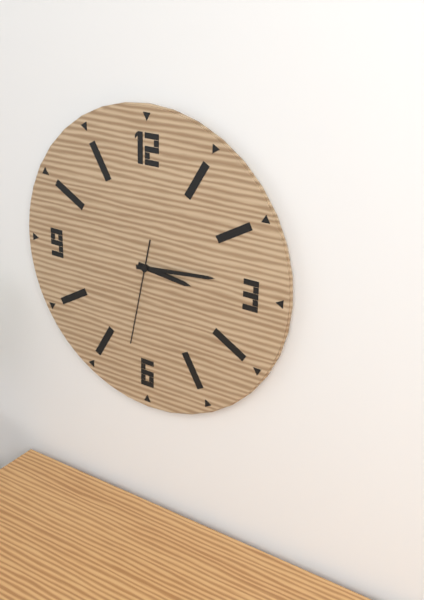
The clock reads h=3 m=14 s=32
